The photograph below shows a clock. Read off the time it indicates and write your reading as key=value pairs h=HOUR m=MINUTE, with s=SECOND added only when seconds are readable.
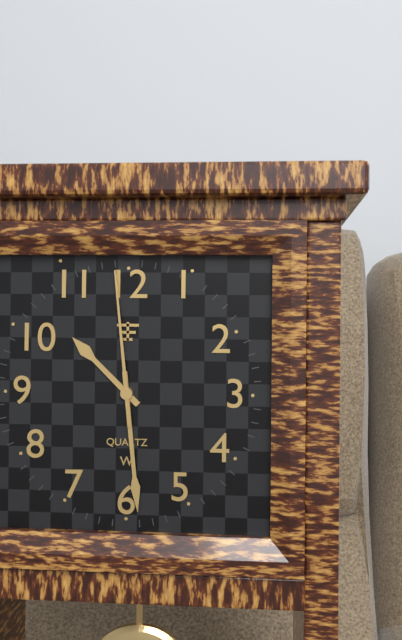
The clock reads h=10 m=29 s=59
